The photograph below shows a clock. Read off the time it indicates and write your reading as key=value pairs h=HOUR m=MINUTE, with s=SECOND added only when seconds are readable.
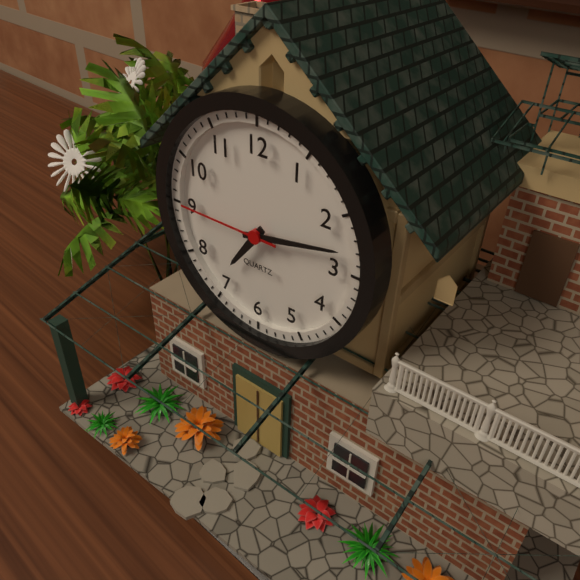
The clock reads h=7 m=13 s=45
